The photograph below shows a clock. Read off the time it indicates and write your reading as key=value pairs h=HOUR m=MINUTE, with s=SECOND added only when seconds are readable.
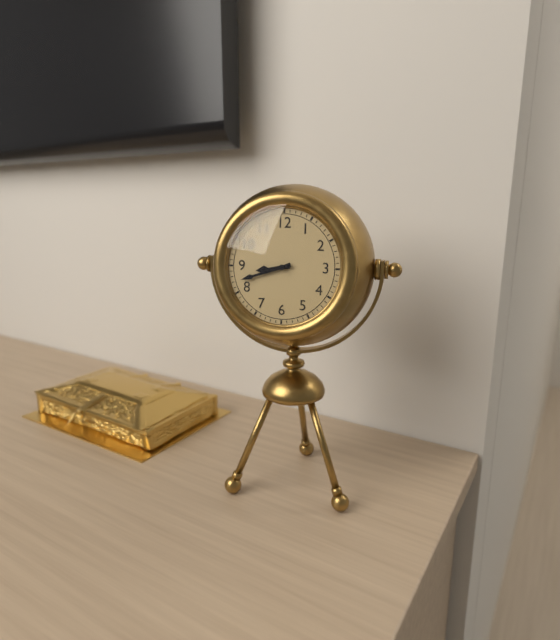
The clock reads h=8 m=42
